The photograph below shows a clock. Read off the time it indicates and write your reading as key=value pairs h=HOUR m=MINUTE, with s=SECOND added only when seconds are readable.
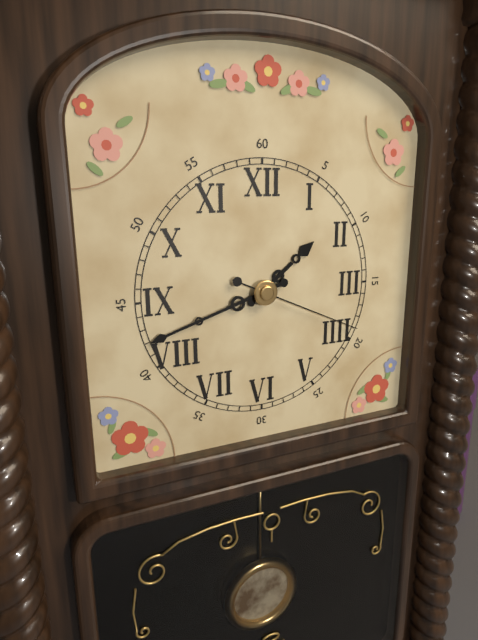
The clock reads h=1 m=42 s=19
